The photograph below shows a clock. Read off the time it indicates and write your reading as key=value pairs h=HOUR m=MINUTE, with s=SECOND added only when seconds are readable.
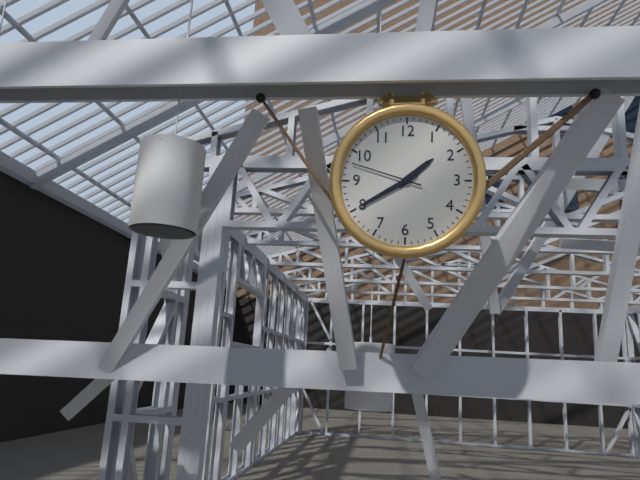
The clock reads h=1 m=40 s=48
